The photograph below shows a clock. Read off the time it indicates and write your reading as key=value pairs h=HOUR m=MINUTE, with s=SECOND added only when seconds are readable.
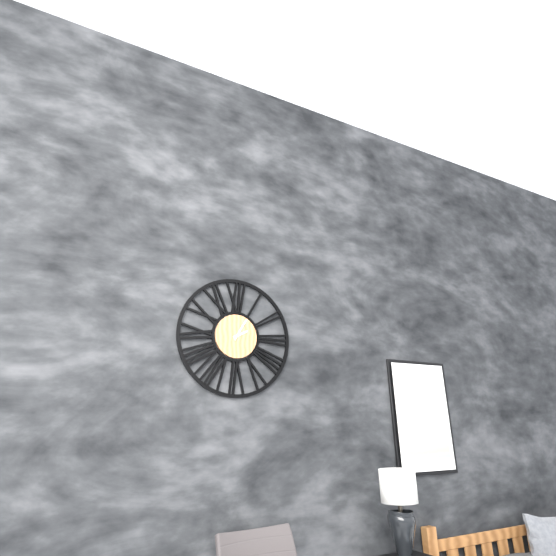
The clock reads h=2 m=5
